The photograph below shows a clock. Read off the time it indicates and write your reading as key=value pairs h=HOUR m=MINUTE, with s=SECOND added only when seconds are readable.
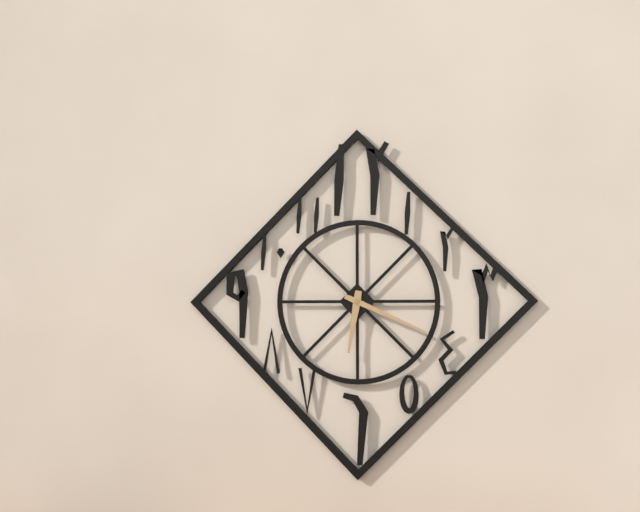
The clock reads h=6 m=19
